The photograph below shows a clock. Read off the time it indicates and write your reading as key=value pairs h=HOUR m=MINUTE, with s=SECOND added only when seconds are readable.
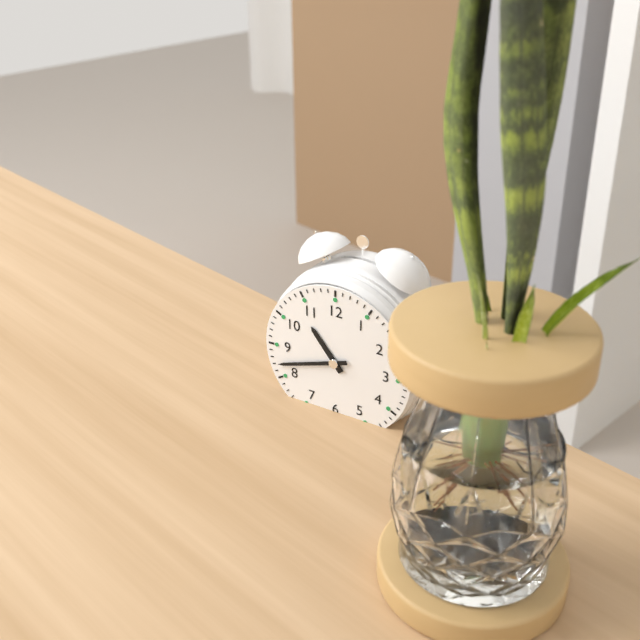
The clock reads h=10 m=42
